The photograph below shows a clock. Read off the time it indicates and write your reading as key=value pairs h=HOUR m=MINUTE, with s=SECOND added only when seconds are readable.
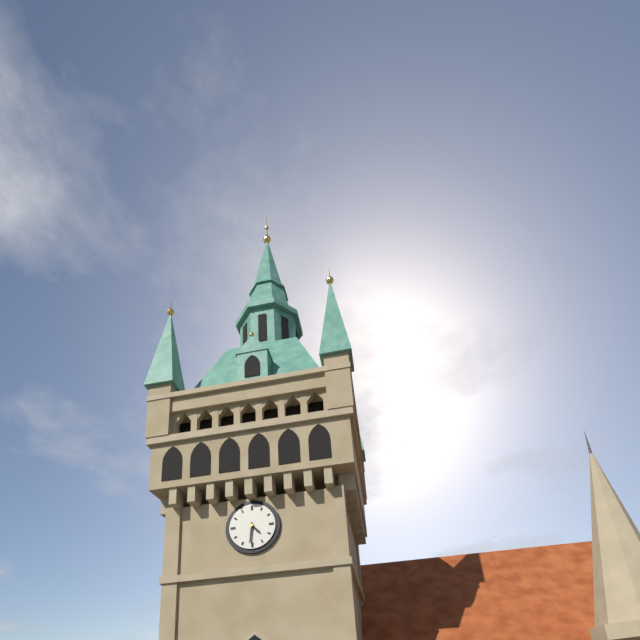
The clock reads h=4 m=31
